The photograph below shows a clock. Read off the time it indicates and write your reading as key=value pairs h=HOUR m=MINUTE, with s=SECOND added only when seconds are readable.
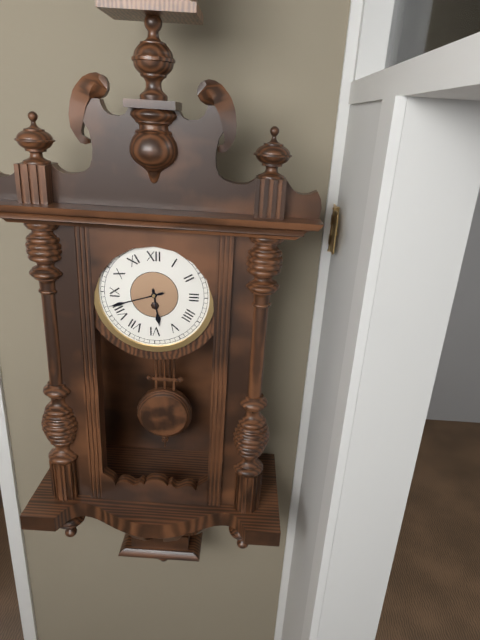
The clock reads h=5 m=42
